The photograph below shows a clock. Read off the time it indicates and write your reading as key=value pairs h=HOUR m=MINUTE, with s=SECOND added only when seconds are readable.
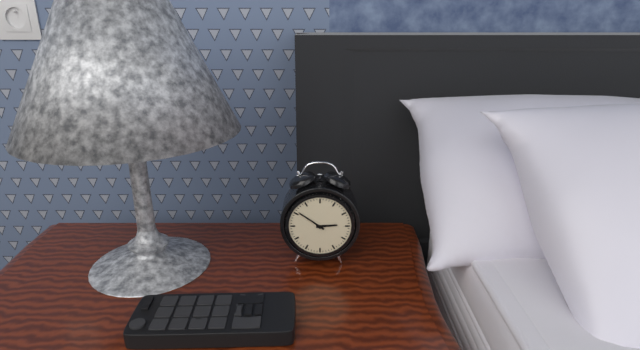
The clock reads h=2 m=51
